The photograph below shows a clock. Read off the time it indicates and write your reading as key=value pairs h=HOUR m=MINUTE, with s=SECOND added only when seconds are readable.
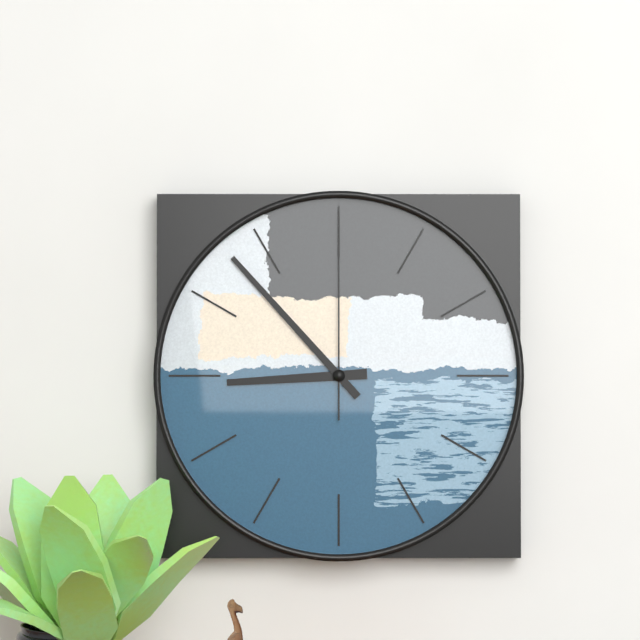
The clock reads h=8 m=53 s=0
